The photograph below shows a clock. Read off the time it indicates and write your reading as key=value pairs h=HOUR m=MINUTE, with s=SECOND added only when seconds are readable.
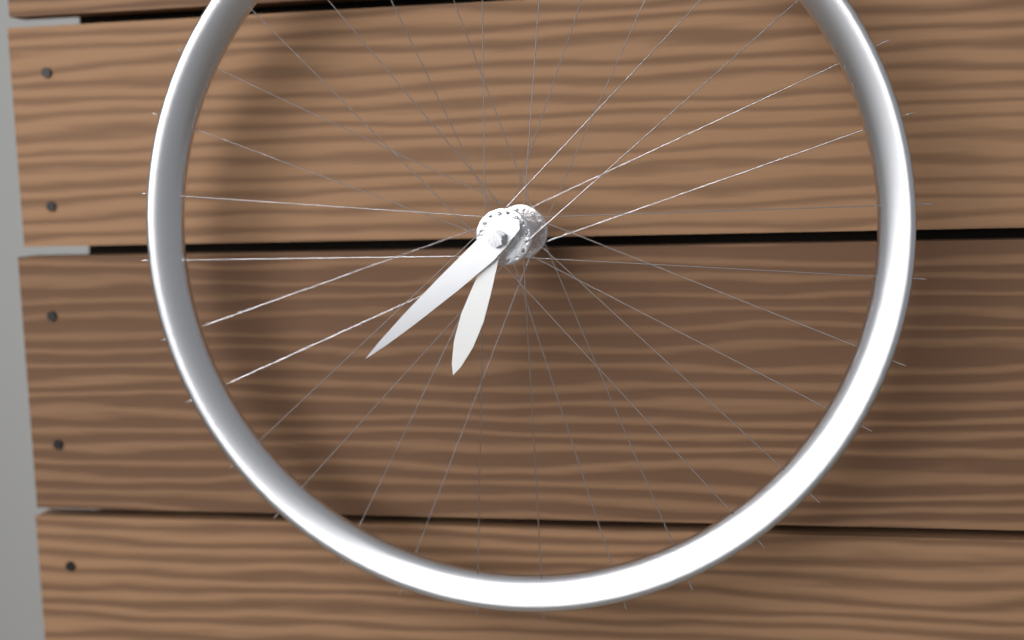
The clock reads h=6 m=38
